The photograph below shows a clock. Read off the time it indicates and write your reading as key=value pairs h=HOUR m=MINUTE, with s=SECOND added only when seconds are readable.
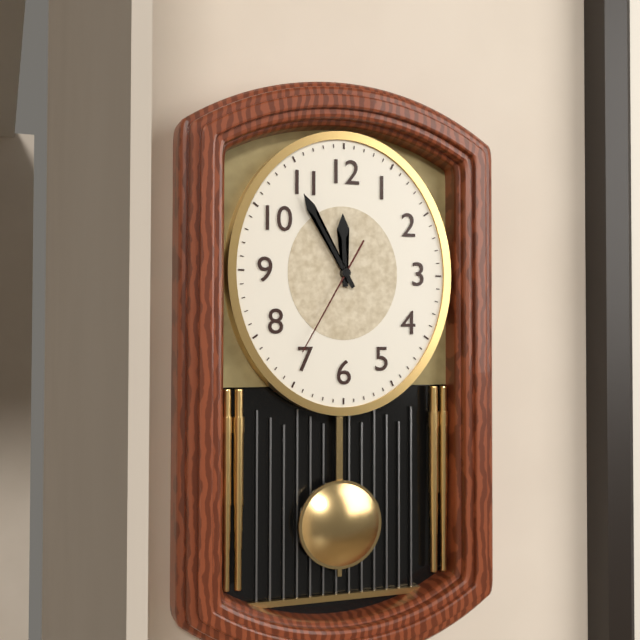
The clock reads h=11 m=55 s=35
